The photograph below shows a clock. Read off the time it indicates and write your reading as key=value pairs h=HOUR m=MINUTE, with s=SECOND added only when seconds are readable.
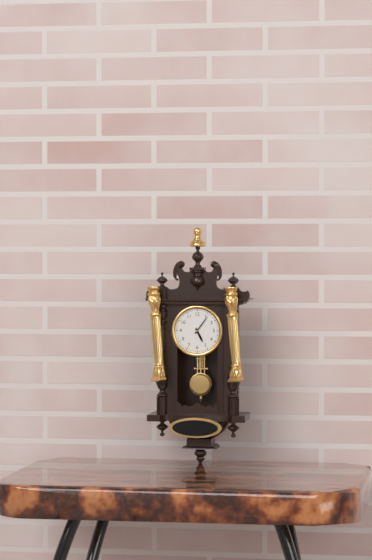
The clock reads h=5 m=6
